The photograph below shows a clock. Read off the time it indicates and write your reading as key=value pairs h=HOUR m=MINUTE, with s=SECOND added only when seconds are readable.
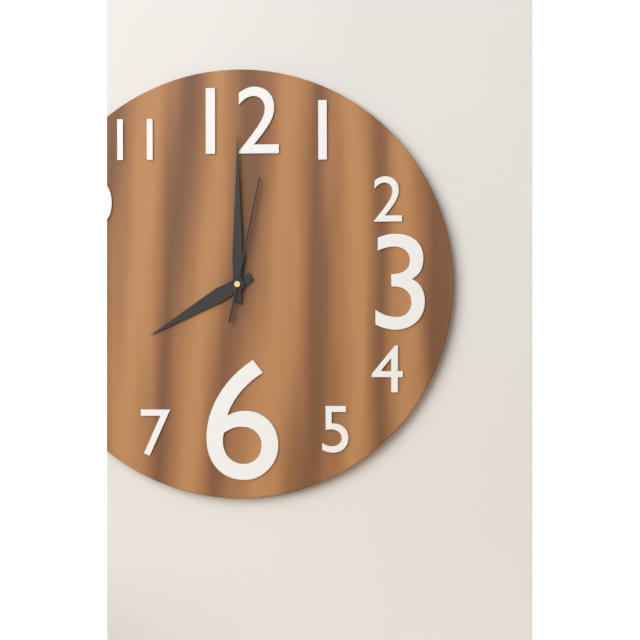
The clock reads h=8 m=0 s=2
